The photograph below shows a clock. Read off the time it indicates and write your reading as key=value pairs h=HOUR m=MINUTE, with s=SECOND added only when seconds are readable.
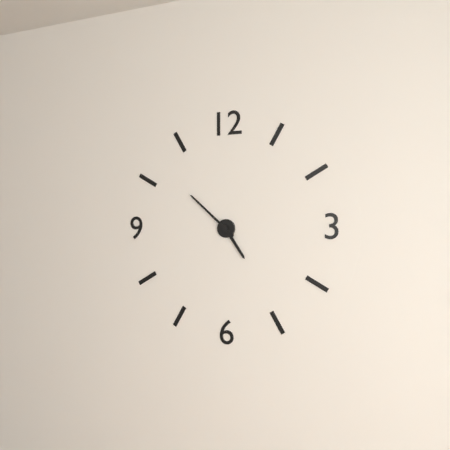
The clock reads h=4 m=52
